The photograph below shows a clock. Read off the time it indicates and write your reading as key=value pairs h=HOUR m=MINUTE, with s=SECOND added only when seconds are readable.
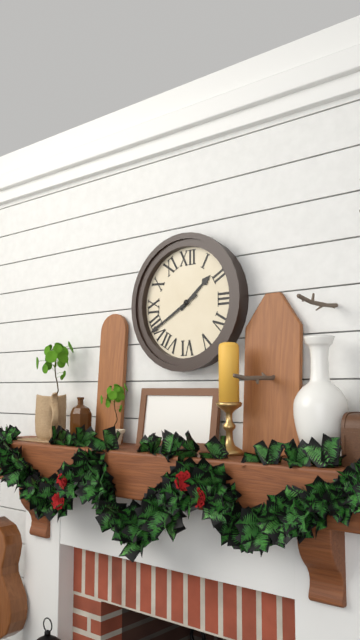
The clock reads h=1 m=40
